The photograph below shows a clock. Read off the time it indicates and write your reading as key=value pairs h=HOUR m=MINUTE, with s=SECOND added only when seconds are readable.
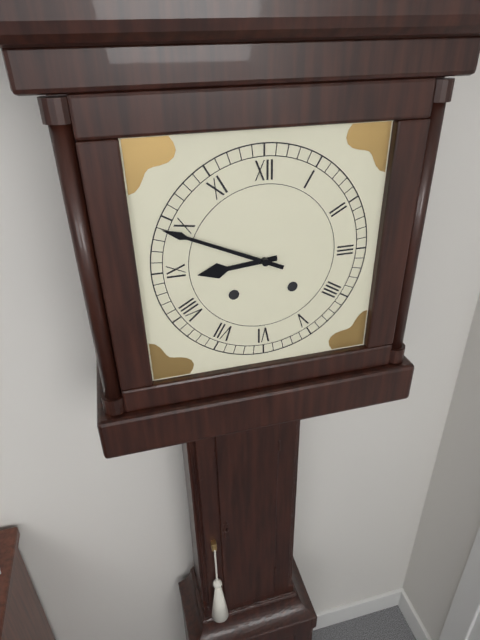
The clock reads h=8 m=49
